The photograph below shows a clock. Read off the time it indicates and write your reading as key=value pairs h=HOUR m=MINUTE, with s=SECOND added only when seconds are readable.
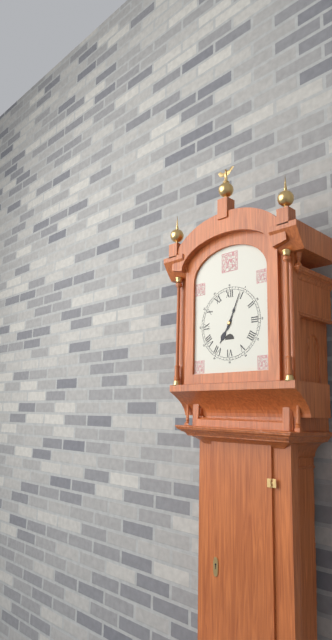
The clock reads h=7 m=4
